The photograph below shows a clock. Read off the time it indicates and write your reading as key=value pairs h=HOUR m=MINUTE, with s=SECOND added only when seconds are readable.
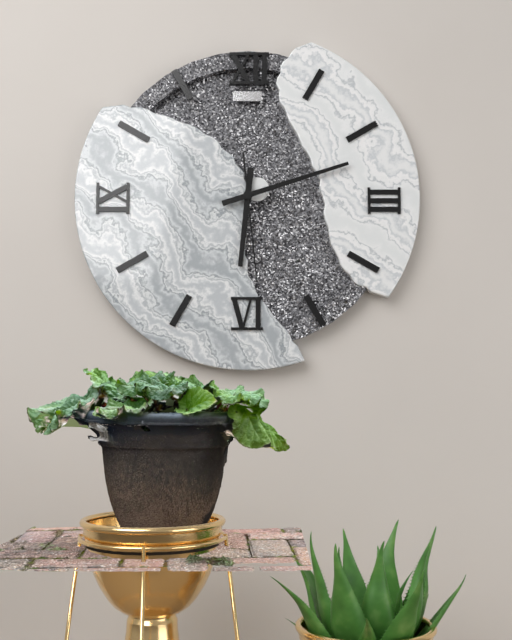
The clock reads h=6 m=12 s=29
